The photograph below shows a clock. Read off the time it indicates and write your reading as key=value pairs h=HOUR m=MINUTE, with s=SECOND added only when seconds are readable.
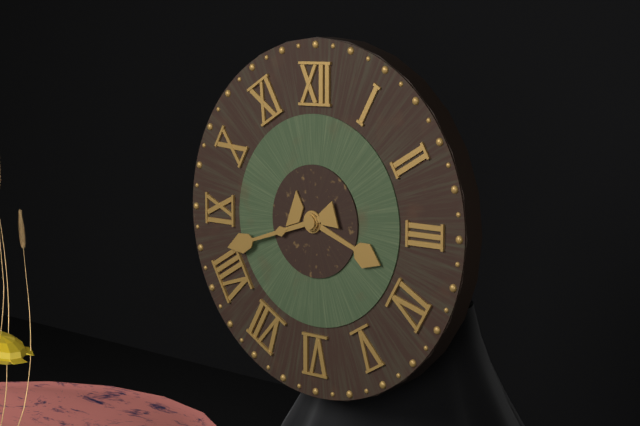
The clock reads h=3 m=42
